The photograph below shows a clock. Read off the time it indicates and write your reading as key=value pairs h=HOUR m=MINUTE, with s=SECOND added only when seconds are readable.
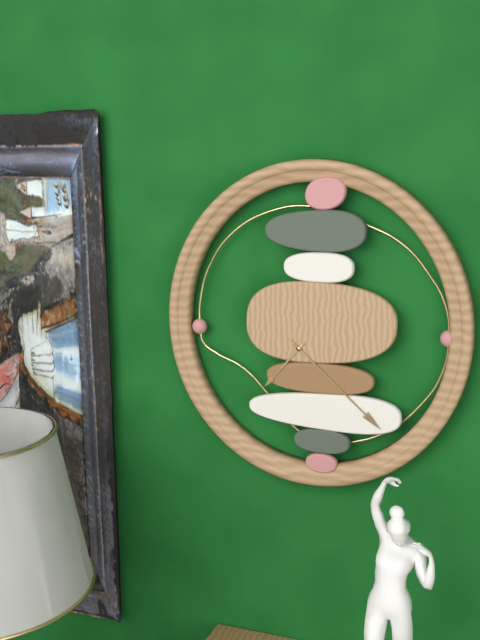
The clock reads h=7 m=22
